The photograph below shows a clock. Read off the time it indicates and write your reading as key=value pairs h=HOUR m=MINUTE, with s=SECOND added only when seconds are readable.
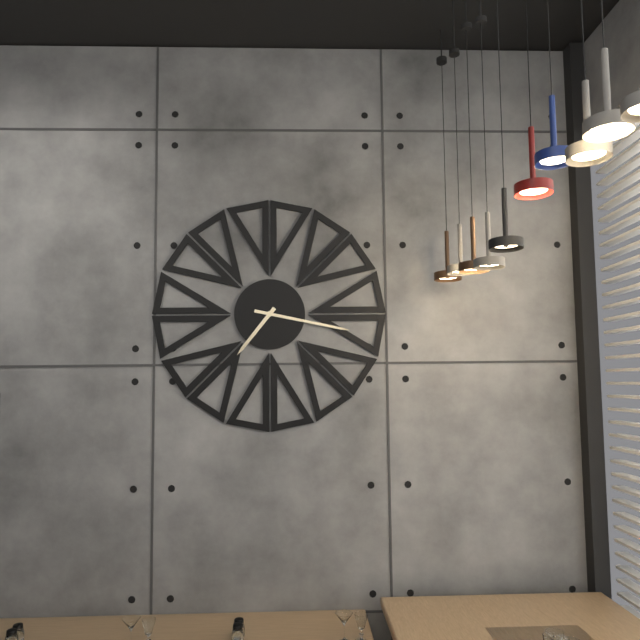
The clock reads h=7 m=17
